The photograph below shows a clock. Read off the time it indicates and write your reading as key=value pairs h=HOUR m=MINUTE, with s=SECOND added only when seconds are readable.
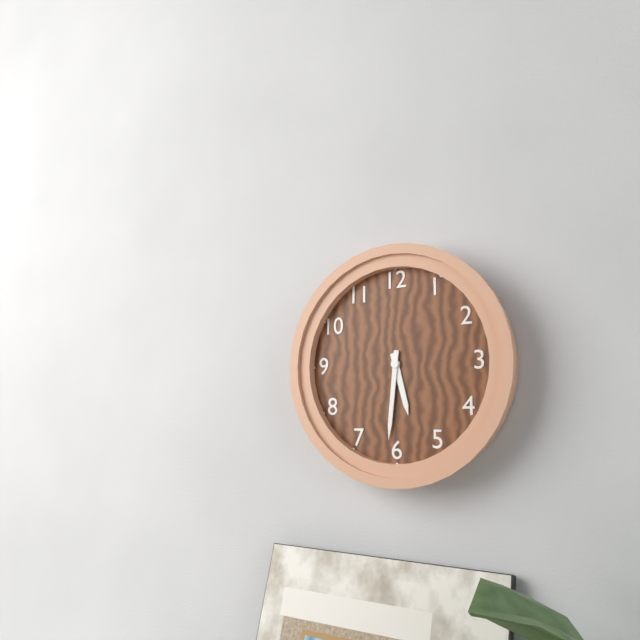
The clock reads h=5 m=31
